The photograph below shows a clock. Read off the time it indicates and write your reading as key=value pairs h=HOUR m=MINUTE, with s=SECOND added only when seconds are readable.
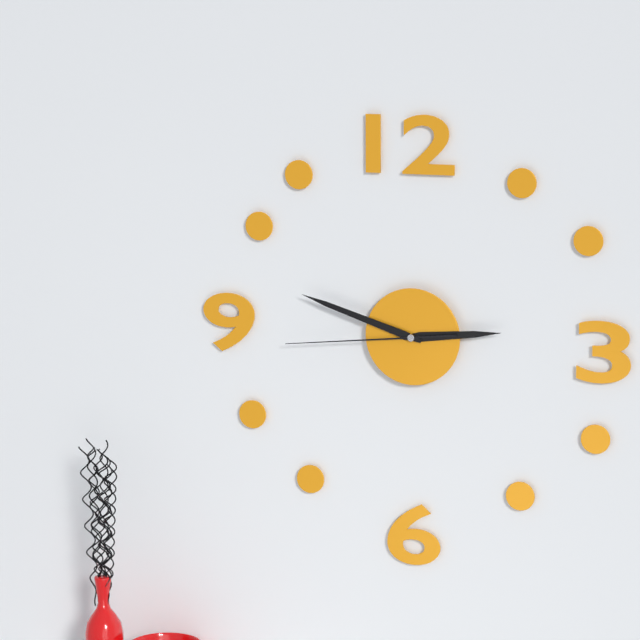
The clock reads h=2 m=48 s=44
